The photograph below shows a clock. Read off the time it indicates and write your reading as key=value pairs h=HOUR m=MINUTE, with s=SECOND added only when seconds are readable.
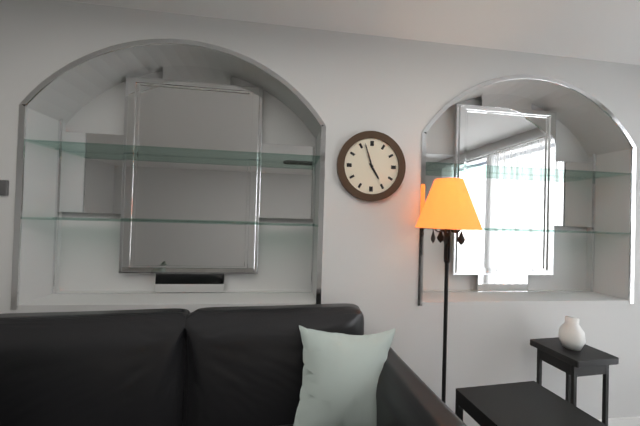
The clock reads h=4 m=57
